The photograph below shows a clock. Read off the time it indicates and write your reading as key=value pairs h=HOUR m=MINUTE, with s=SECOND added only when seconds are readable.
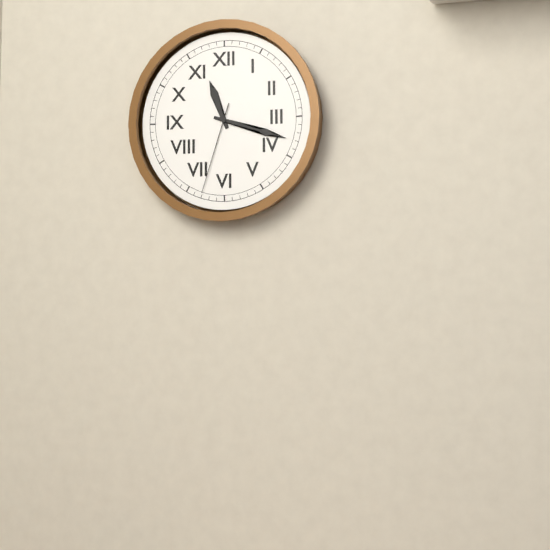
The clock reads h=11 m=18 s=33
